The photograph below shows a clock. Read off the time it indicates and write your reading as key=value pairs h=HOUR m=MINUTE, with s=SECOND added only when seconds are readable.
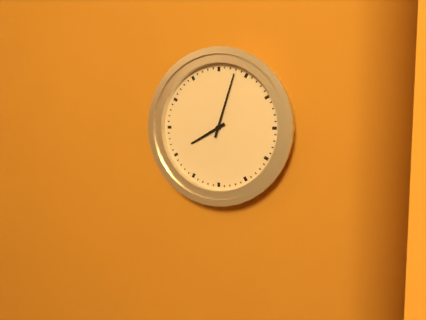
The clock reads h=8 m=3
